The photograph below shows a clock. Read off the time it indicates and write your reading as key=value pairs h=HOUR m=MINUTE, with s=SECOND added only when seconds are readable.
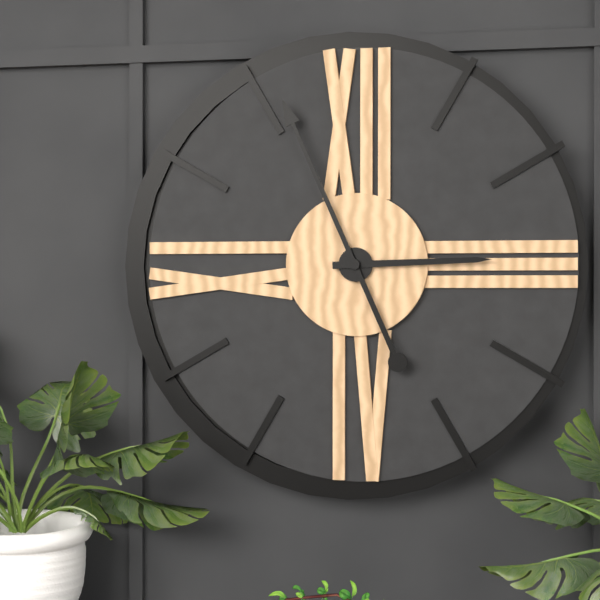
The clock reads h=2 m=56
